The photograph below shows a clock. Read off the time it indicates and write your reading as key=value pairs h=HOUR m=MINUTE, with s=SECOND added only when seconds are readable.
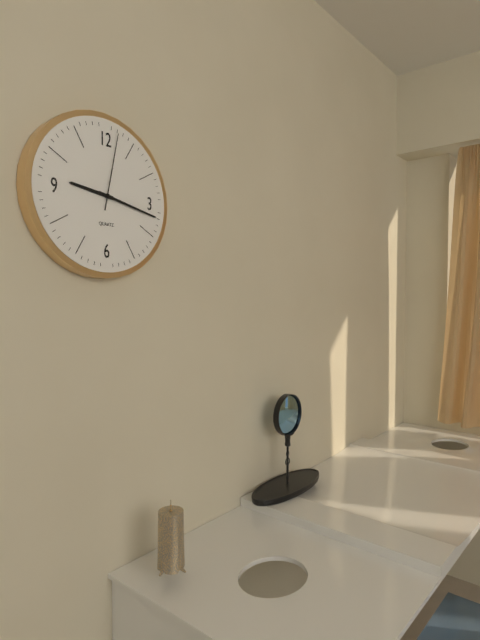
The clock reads h=9 m=17 s=2
